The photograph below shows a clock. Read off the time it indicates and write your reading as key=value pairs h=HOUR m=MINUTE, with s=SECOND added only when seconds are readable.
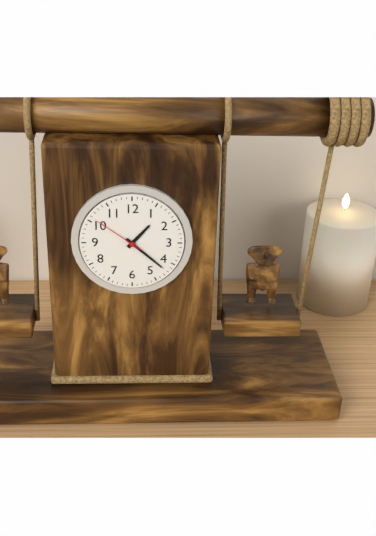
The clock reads h=1 m=22 s=51
